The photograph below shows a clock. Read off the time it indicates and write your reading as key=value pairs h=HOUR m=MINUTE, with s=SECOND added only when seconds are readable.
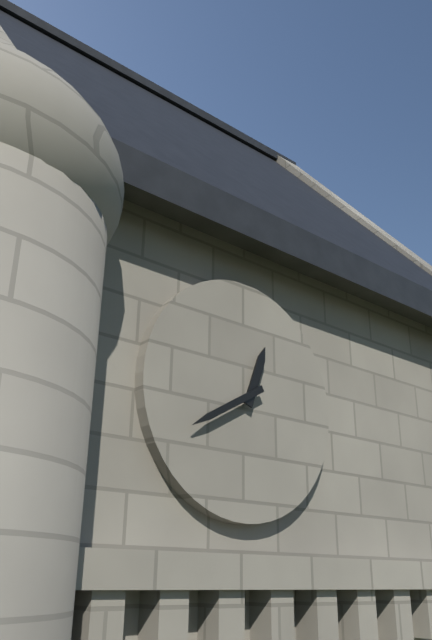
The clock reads h=12 m=40
